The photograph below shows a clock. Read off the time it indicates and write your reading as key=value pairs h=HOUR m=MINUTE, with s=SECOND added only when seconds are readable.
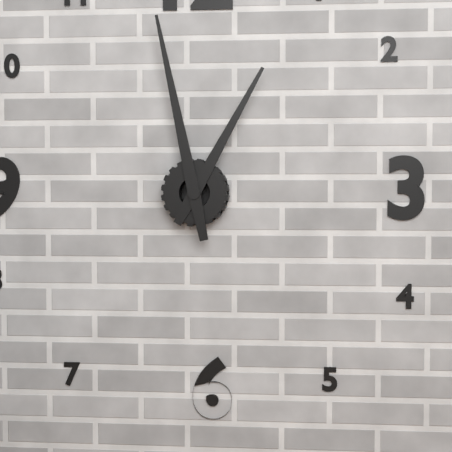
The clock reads h=12 m=58
